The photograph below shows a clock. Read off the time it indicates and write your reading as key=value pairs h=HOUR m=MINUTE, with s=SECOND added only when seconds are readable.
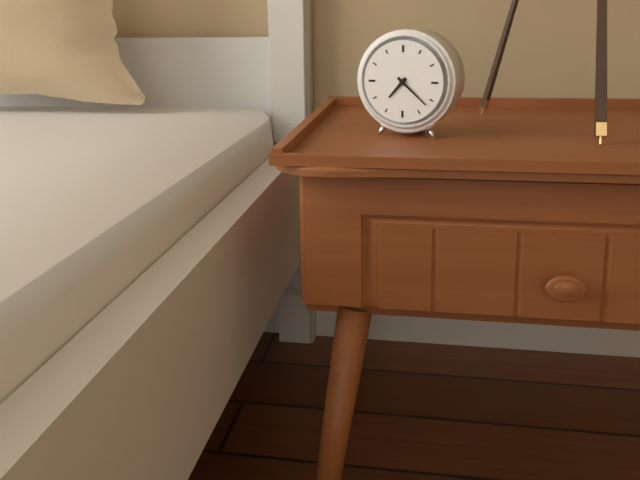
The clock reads h=7 m=22
